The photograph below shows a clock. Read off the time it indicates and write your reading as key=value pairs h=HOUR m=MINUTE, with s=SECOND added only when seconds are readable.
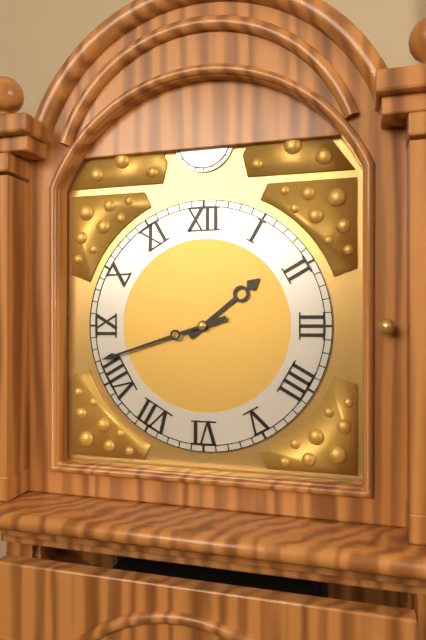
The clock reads h=1 m=42
